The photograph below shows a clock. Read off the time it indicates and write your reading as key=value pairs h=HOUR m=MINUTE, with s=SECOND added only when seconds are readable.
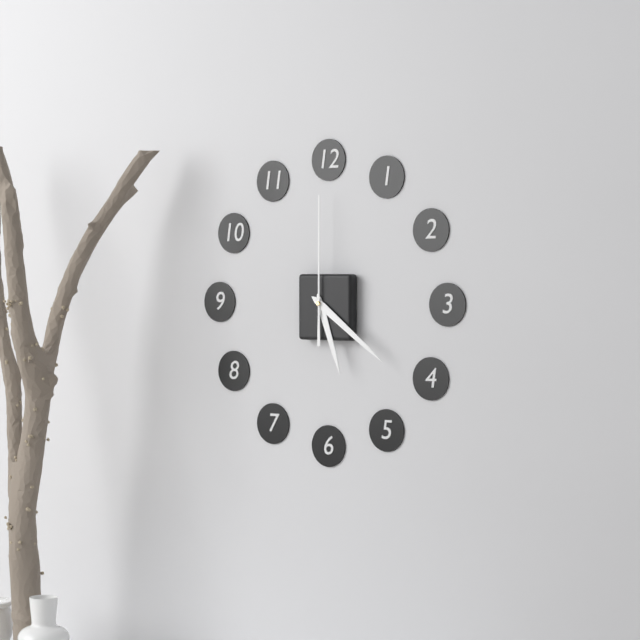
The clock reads h=5 m=21 s=0
